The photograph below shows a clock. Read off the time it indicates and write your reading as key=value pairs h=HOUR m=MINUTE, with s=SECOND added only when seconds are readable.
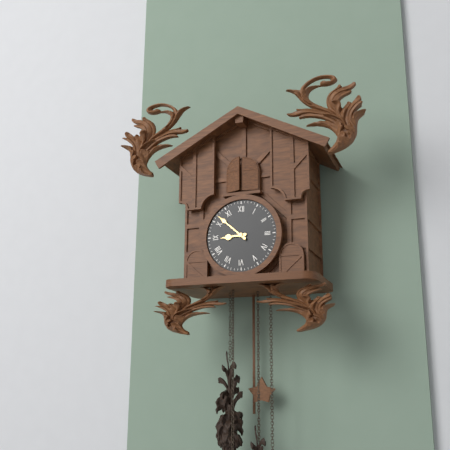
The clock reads h=8 m=52
